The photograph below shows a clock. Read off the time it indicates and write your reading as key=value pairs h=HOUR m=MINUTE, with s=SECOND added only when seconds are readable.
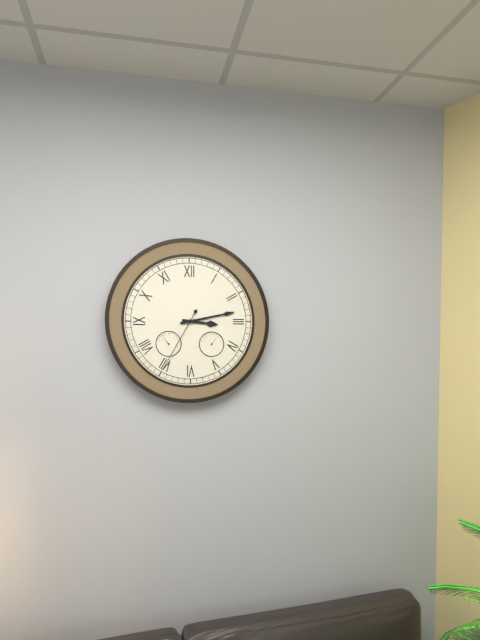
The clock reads h=3 m=13 s=35
